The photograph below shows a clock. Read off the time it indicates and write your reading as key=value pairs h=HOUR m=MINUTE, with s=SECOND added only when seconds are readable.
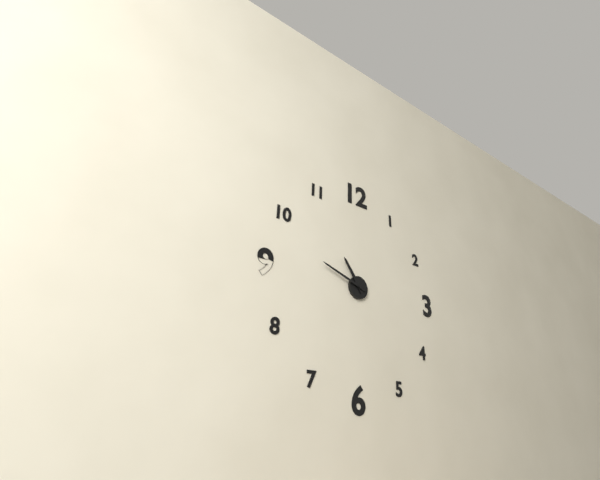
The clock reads h=10 m=48
